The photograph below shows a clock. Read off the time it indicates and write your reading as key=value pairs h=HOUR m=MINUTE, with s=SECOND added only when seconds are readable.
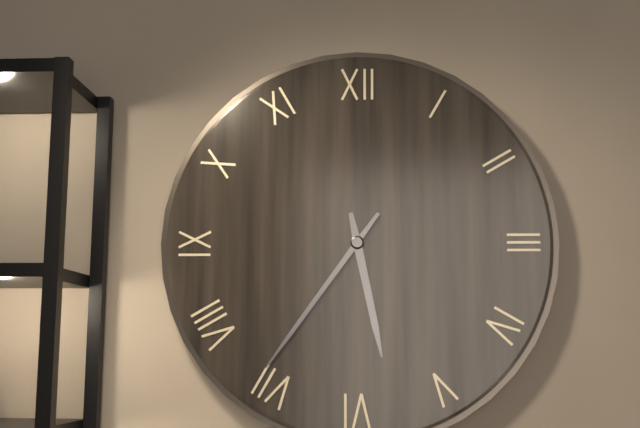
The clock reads h=5 m=36
